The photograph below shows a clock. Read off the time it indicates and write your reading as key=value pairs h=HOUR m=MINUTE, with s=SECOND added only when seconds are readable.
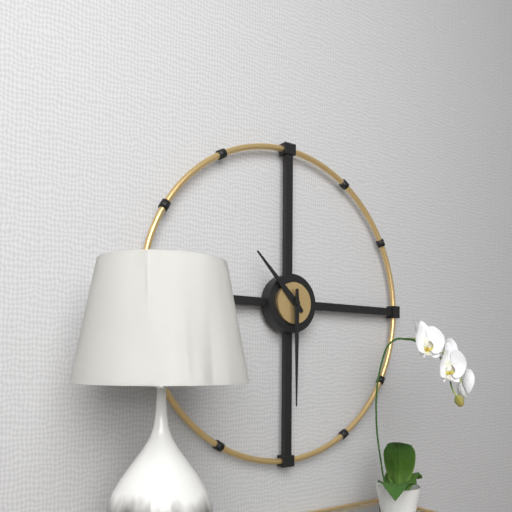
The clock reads h=10 m=30
